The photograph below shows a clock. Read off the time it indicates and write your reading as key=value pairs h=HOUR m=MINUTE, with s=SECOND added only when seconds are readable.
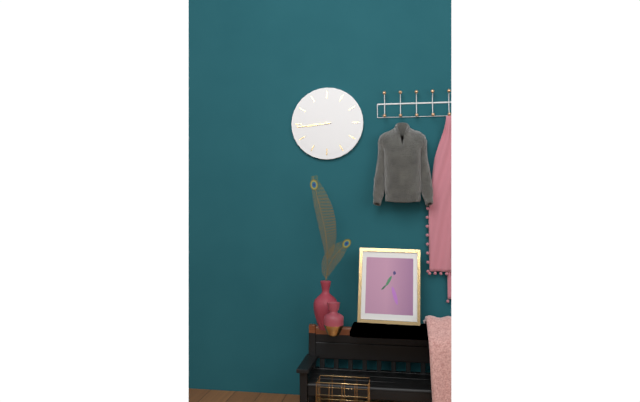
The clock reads h=8 m=44
